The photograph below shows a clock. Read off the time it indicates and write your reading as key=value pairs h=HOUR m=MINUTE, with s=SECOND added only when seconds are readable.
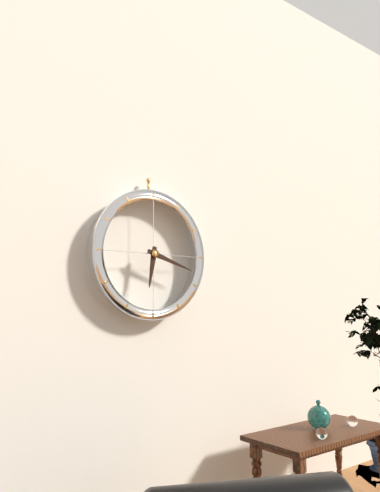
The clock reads h=6 m=18
